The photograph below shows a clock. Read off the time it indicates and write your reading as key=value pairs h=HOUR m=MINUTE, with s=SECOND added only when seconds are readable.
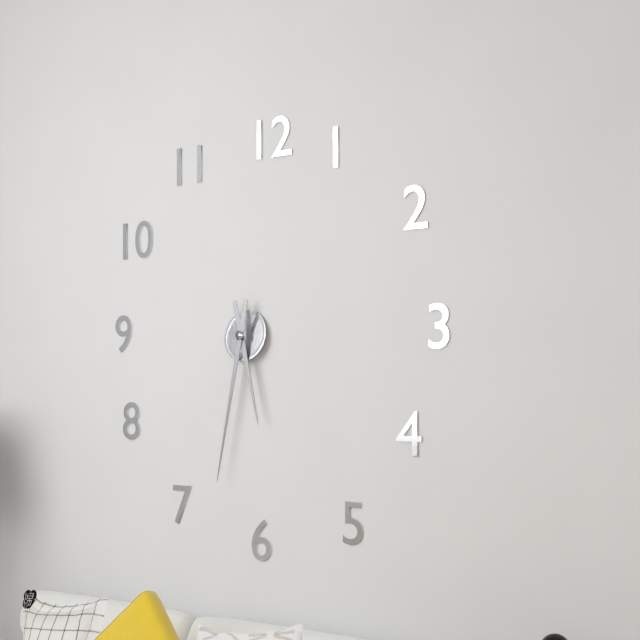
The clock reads h=5 m=32
